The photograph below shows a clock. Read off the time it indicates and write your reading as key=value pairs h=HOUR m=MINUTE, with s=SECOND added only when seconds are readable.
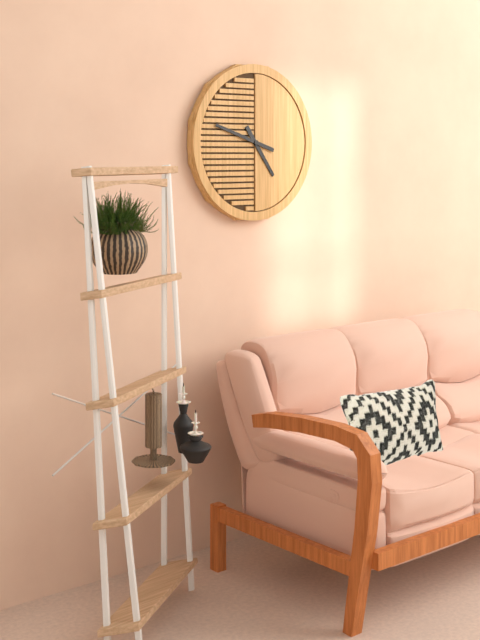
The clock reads h=4 m=48
